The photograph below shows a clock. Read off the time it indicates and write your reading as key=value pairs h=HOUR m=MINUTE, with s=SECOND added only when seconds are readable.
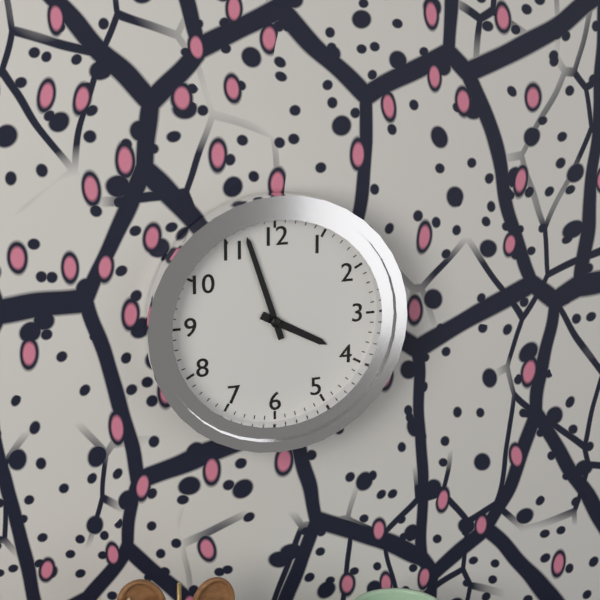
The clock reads h=3 m=57
